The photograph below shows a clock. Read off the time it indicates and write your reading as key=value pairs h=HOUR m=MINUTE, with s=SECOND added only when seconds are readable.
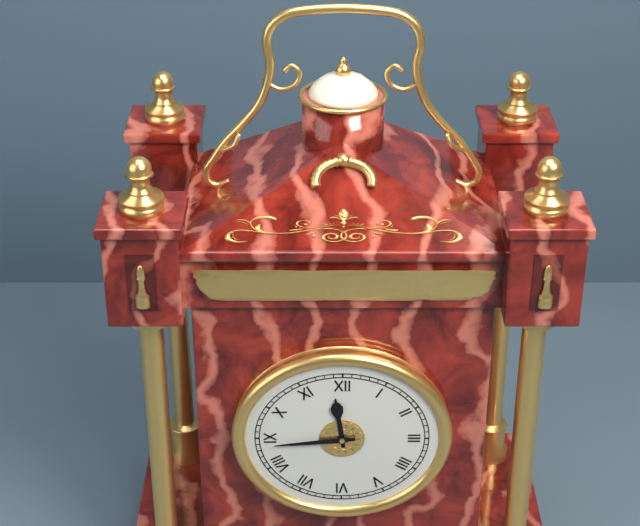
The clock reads h=11 m=44
